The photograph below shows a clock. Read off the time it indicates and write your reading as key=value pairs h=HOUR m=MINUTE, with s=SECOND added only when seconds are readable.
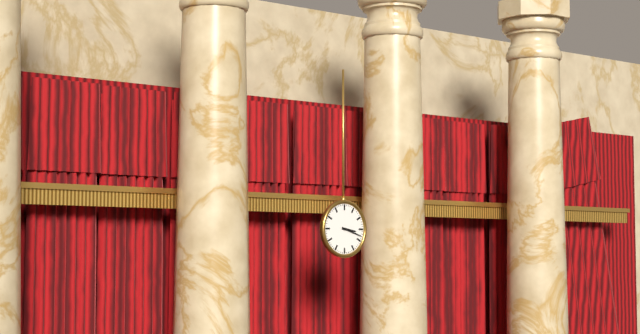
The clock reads h=3 m=18
